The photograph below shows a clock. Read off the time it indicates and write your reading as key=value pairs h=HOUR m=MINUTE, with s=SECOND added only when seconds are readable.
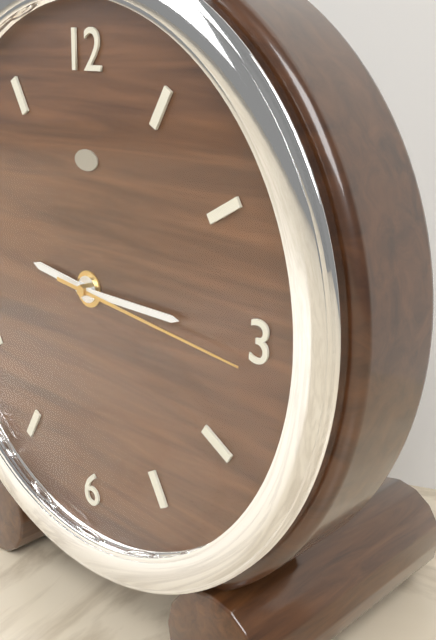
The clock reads h=9 m=15 s=16
